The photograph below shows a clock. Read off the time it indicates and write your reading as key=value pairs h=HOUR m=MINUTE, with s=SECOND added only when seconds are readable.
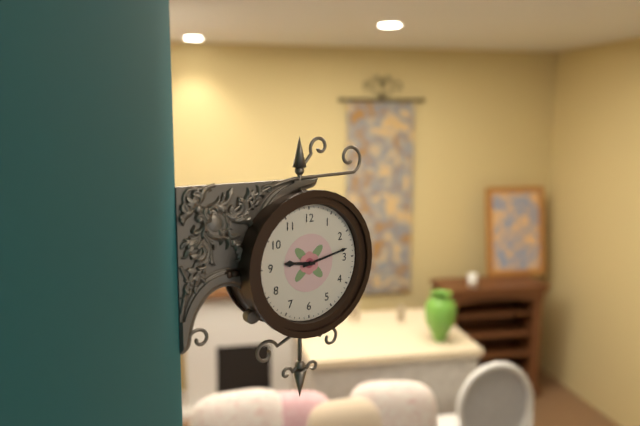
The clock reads h=9 m=13
